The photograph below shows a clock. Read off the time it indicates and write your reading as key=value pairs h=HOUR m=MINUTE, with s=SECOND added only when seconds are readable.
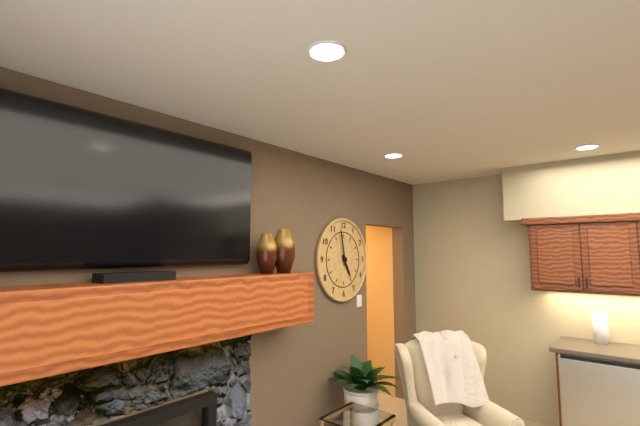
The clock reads h=4 m=58
